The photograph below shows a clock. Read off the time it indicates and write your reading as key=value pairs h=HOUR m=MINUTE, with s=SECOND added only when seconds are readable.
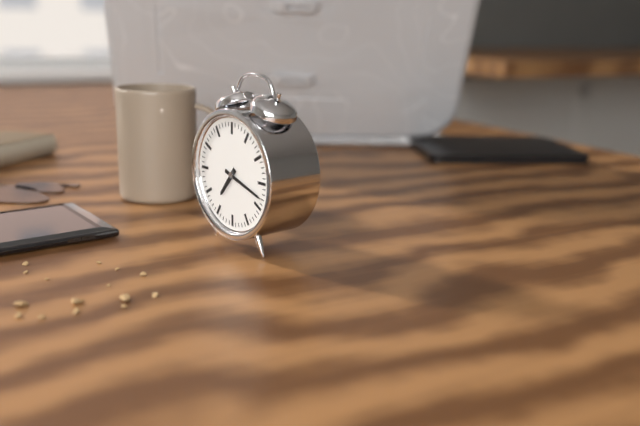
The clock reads h=7 m=18
